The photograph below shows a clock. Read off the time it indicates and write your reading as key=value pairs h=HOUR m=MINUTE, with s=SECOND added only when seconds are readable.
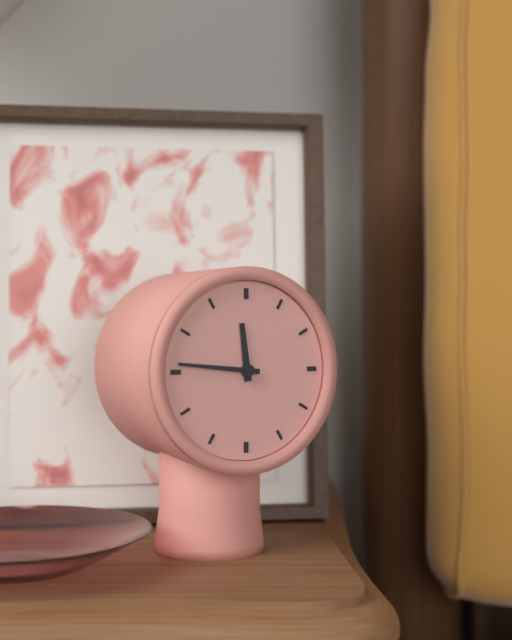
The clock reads h=11 m=46
